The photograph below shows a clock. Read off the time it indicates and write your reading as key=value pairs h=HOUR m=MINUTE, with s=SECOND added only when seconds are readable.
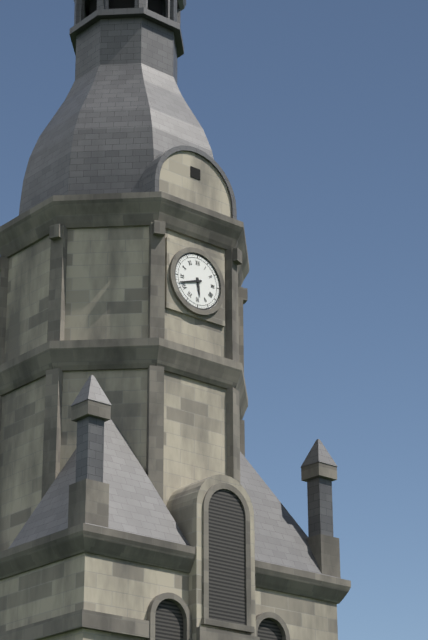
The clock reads h=5 m=42
